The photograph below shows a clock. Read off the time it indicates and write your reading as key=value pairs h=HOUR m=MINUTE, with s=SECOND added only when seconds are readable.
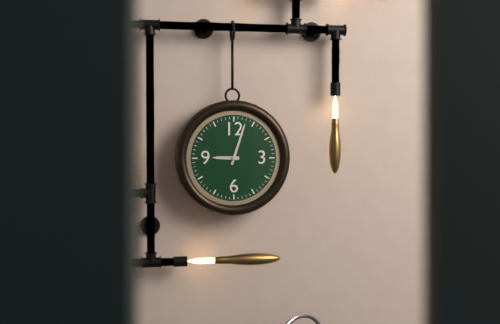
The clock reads h=9 m=3
